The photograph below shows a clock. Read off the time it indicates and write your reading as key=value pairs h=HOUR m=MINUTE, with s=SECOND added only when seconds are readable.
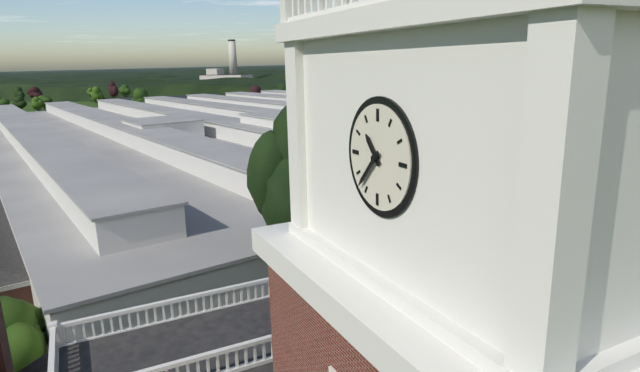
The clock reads h=10 m=37
